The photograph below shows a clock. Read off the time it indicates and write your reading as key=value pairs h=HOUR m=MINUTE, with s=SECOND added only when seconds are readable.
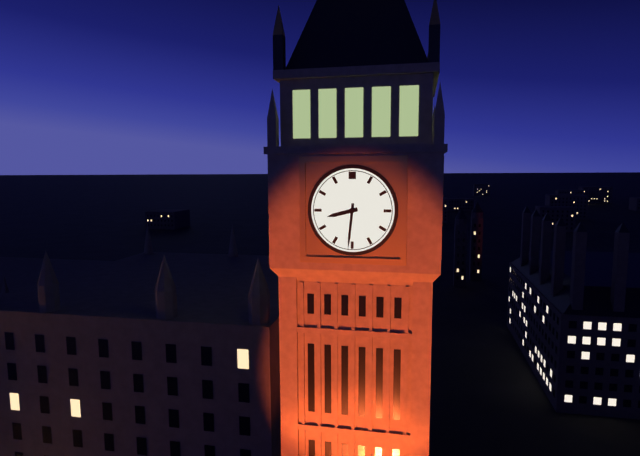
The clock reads h=8 m=31
